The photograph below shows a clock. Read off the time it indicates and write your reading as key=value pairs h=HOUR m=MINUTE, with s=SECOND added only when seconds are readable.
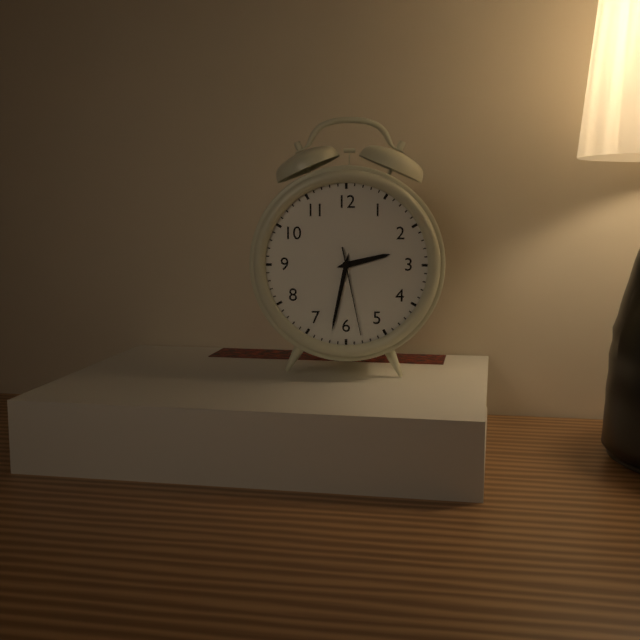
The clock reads h=2 m=32 s=28
